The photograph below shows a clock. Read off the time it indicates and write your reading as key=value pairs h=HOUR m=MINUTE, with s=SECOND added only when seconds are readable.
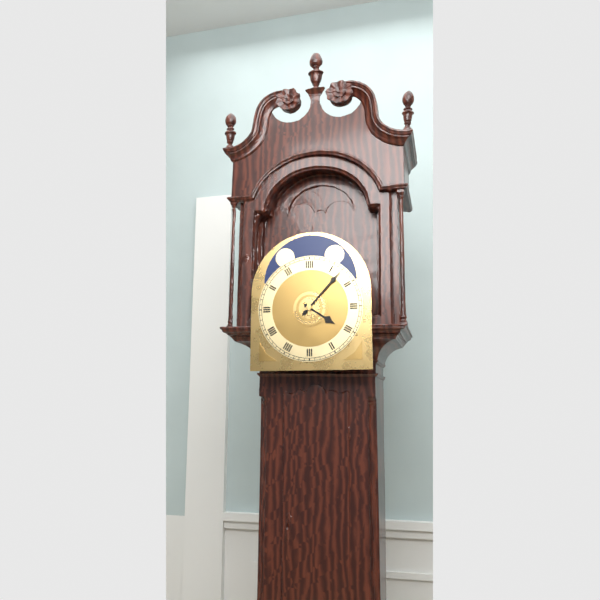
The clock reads h=4 m=7
